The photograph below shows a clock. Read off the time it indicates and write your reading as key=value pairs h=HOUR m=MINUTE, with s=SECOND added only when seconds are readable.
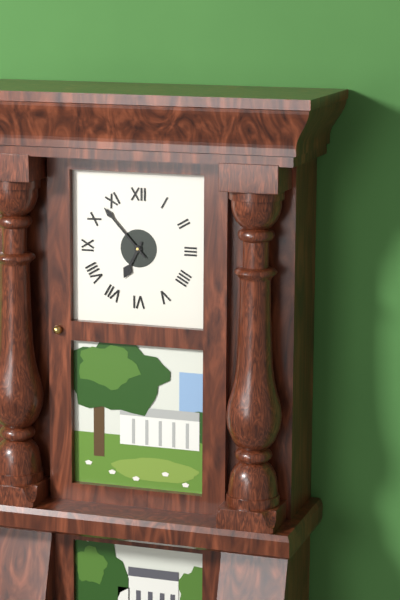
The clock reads h=6 m=53
